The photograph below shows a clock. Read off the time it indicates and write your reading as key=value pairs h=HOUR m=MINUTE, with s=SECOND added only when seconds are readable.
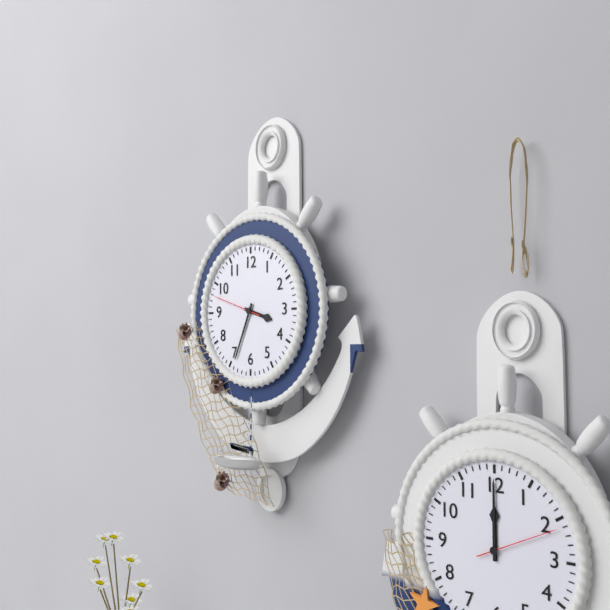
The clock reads h=3 m=34
